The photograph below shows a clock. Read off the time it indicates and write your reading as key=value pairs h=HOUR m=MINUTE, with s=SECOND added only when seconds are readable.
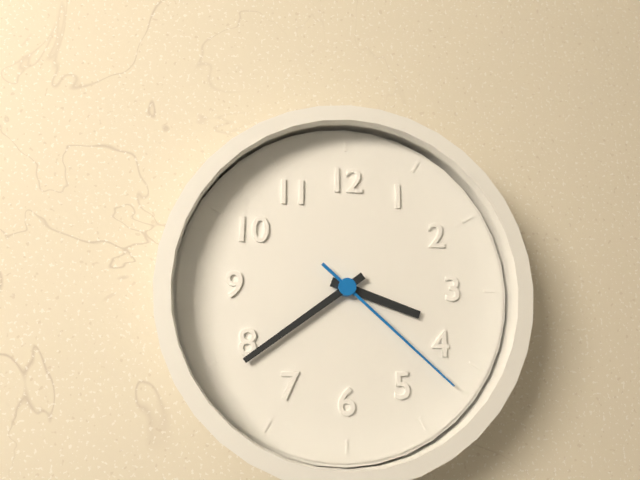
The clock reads h=3 m=39 s=22
